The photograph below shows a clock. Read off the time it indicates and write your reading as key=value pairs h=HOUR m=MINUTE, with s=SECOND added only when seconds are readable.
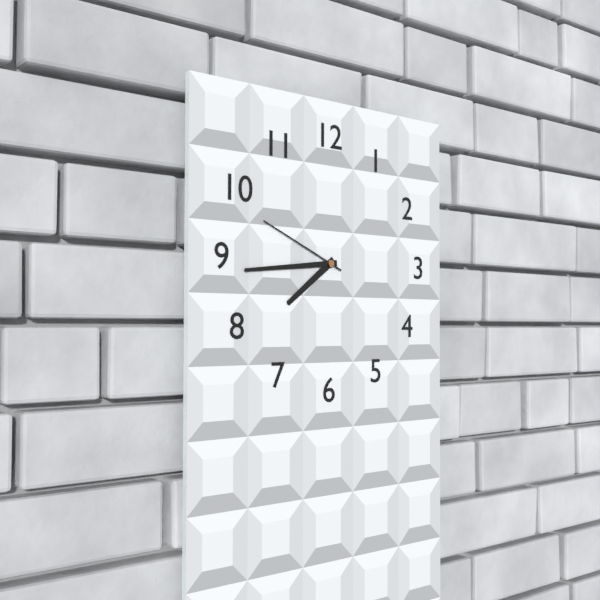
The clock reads h=7 m=44 s=49
